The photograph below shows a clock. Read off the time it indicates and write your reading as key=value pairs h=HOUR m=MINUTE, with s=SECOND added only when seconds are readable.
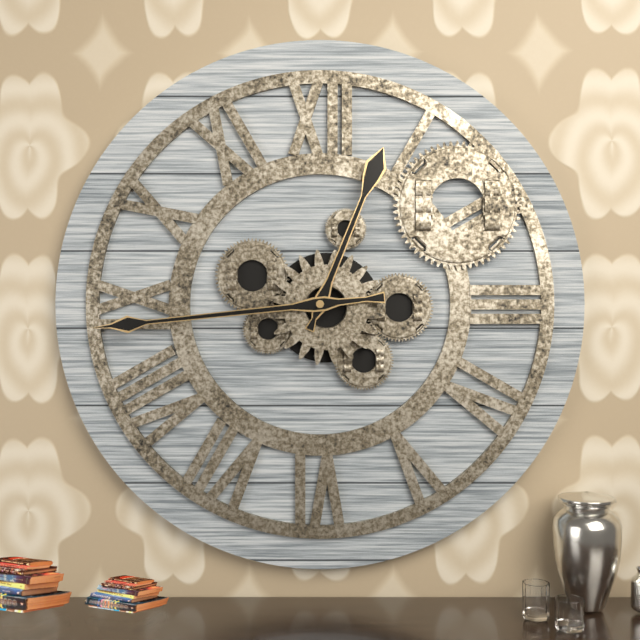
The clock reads h=12 m=44
